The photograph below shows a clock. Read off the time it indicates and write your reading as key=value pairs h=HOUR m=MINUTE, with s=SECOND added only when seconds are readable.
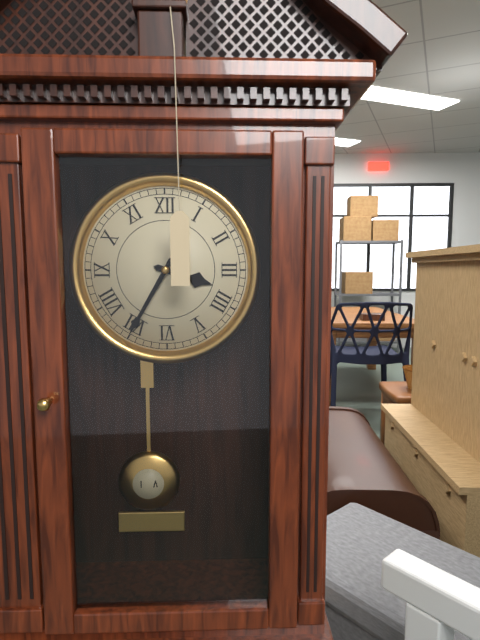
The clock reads h=3 m=35
